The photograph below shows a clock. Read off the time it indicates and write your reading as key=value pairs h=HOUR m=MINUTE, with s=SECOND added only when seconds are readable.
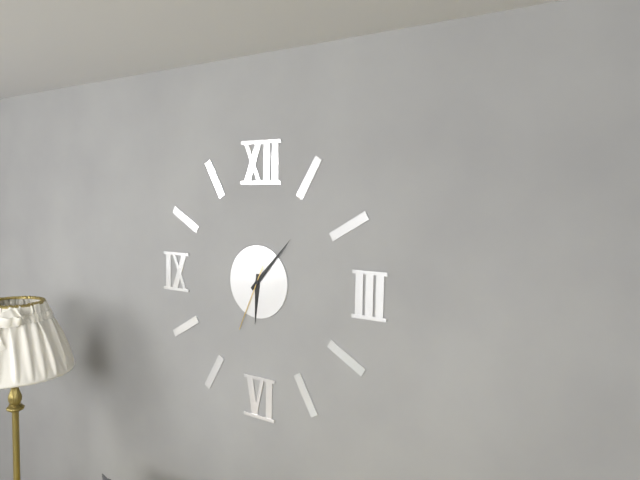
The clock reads h=6 m=7 s=34
